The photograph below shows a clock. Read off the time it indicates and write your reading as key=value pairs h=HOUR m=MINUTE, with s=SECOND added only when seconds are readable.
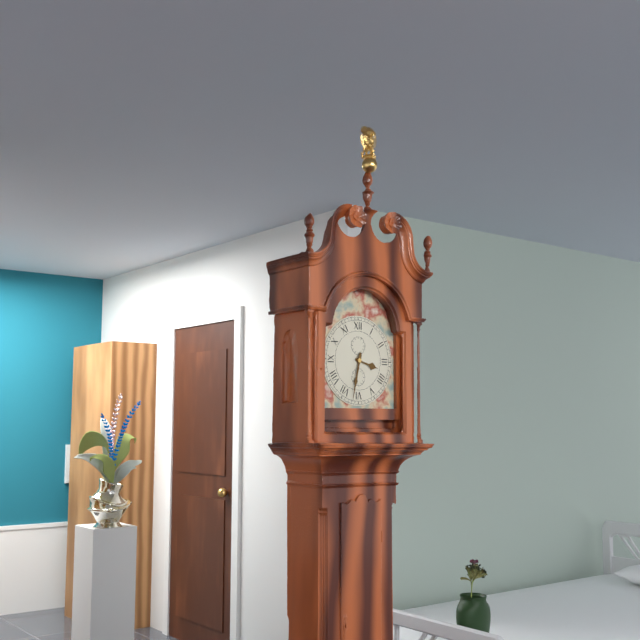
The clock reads h=3 m=32
